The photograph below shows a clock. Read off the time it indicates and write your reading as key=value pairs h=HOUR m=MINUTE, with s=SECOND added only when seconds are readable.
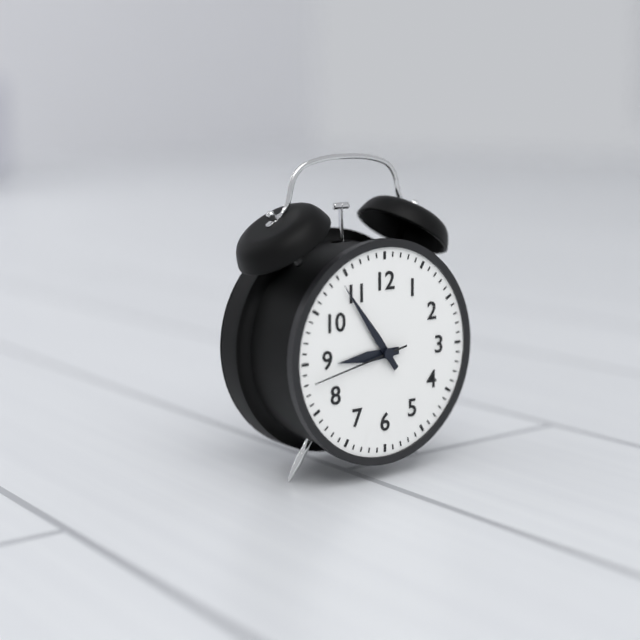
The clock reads h=8 m=54 s=43
